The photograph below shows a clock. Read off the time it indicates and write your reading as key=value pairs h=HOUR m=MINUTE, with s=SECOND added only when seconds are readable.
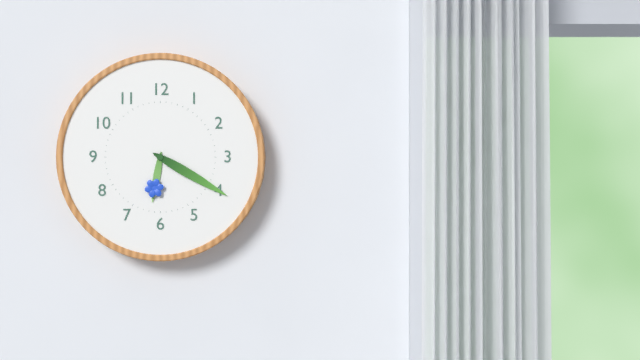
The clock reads h=6 m=20
